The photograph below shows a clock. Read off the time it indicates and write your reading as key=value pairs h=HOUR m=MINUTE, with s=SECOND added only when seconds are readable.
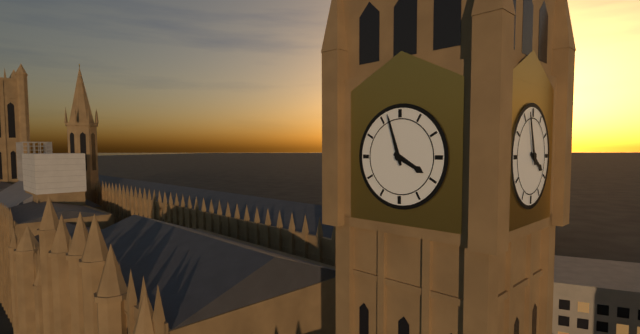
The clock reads h=3 m=57
